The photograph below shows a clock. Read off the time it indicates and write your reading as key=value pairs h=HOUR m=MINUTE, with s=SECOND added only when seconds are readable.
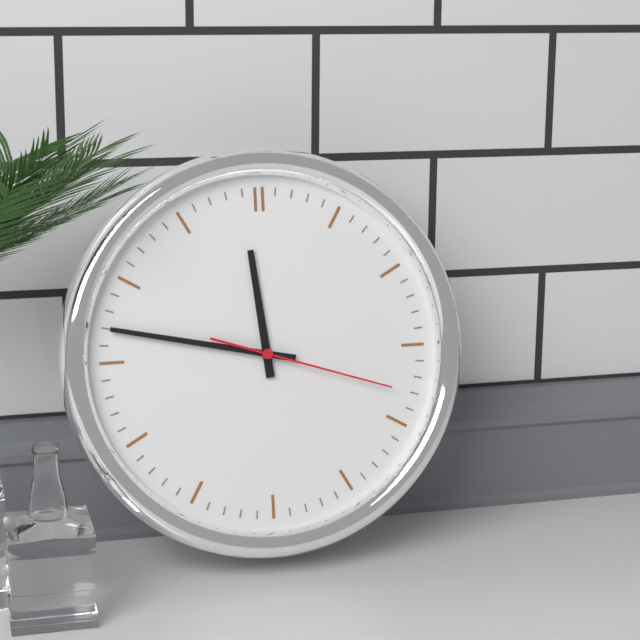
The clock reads h=11 m=47 s=18
